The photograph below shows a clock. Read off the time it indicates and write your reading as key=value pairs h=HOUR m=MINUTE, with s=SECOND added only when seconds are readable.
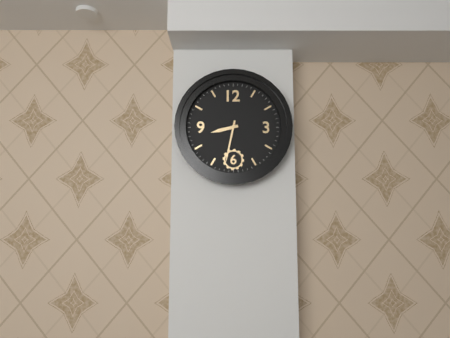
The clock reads h=8 m=32
